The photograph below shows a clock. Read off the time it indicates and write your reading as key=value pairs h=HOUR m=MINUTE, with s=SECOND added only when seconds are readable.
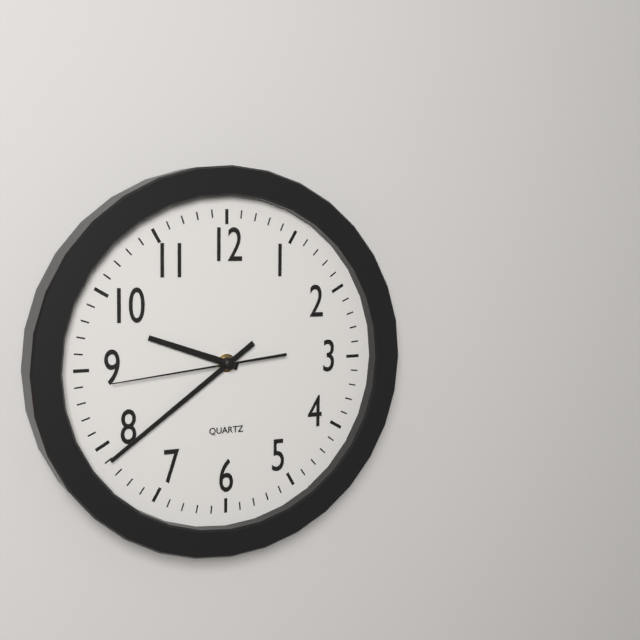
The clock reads h=9 m=39 s=44
